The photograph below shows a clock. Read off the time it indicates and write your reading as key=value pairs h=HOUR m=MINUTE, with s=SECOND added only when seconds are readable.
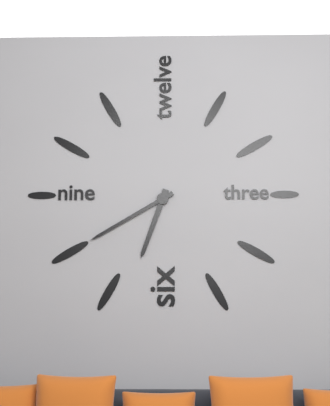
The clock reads h=6 m=40
